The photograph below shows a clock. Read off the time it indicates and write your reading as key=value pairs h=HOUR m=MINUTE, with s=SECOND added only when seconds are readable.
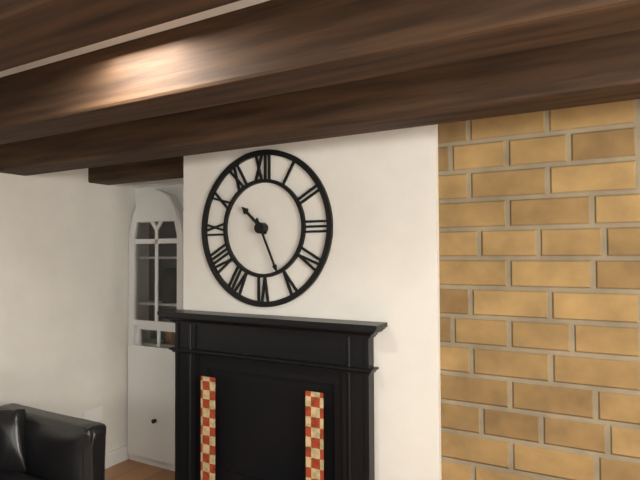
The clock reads h=10 m=26
